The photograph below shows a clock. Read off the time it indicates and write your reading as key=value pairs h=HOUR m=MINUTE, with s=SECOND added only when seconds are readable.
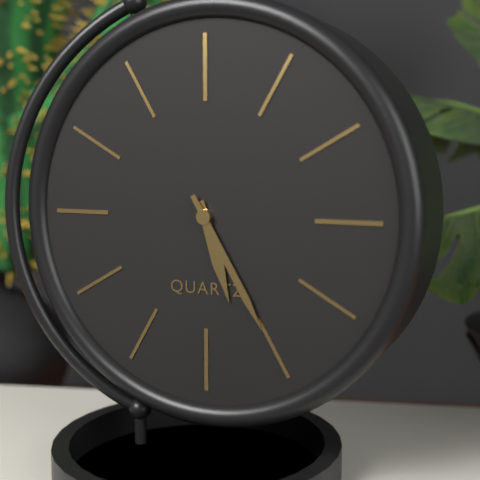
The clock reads h=5 m=25
